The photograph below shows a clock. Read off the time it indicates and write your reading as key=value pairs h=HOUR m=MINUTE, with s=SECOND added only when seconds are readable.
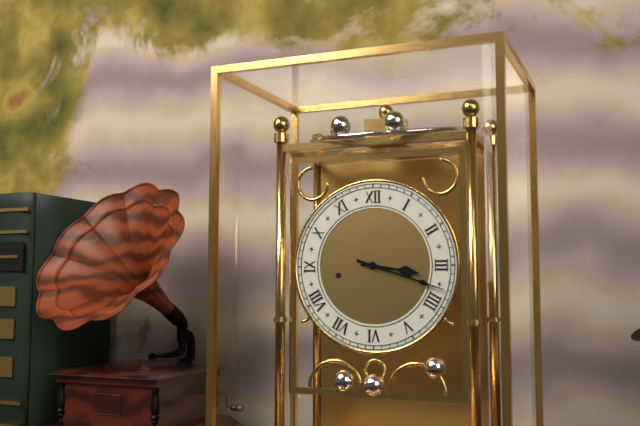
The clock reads h=3 m=18
